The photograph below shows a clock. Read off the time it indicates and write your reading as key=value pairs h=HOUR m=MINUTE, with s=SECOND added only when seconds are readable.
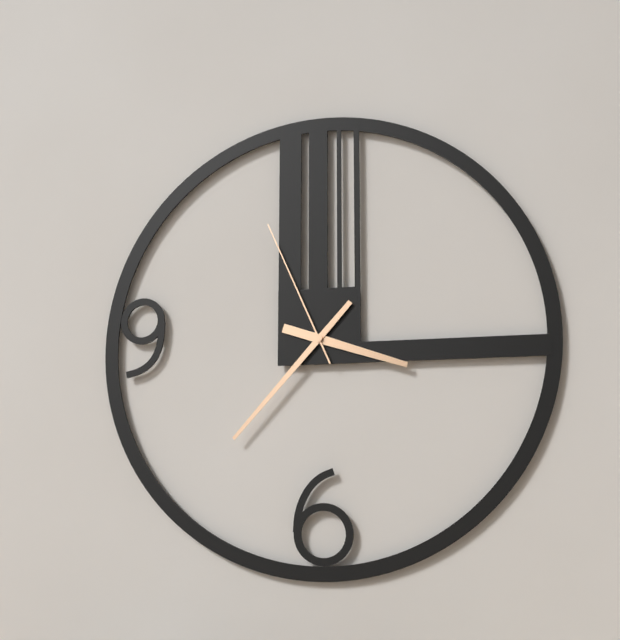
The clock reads h=3 m=37 s=56
